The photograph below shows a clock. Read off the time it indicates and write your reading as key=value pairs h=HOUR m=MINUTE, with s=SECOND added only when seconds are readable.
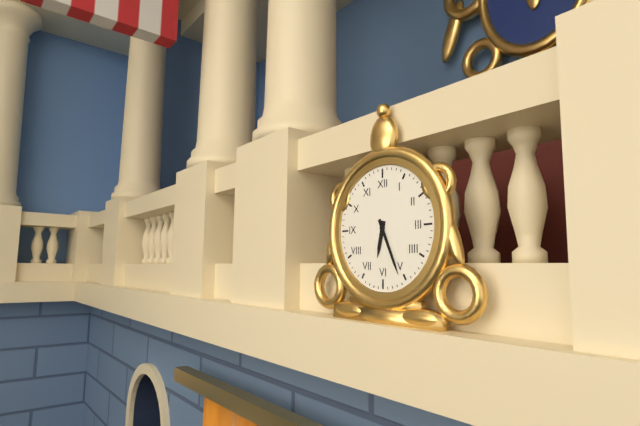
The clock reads h=6 m=26
